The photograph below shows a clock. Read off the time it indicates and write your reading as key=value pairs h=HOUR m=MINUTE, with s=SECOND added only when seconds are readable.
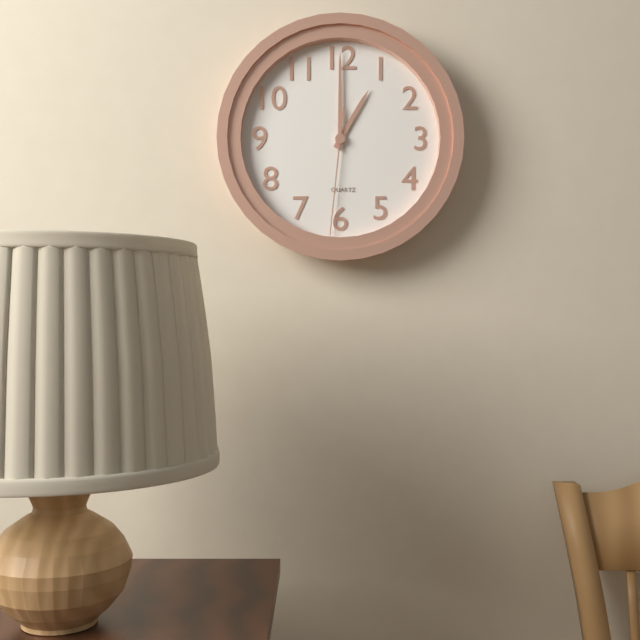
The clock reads h=1 m=0 s=31
